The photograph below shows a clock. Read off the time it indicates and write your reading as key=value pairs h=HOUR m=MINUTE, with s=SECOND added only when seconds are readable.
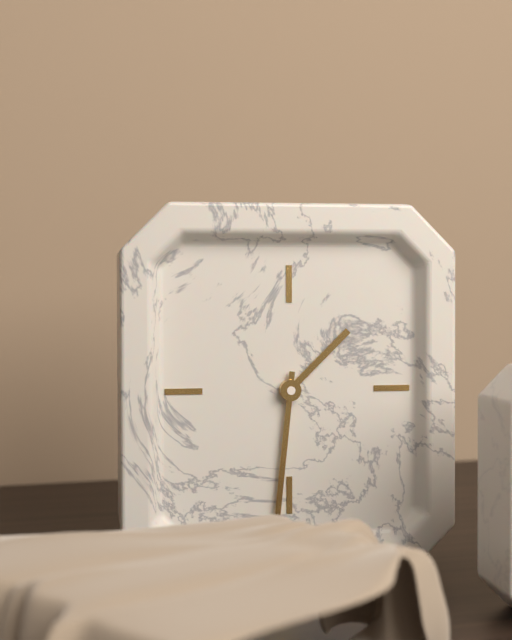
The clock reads h=1 m=31
